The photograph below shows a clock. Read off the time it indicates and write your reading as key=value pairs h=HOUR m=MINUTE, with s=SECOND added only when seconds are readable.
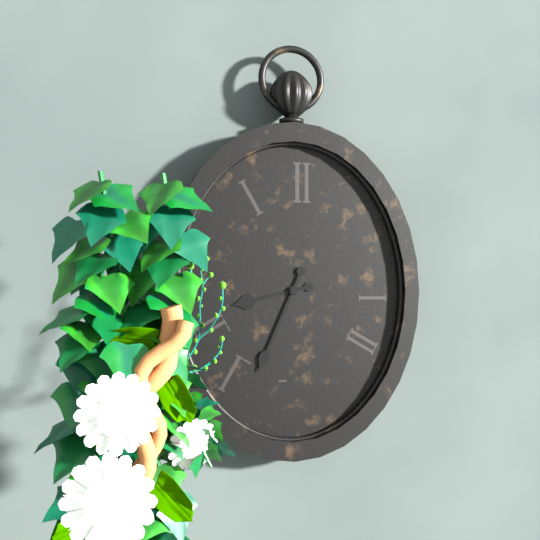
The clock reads h=8 m=34
